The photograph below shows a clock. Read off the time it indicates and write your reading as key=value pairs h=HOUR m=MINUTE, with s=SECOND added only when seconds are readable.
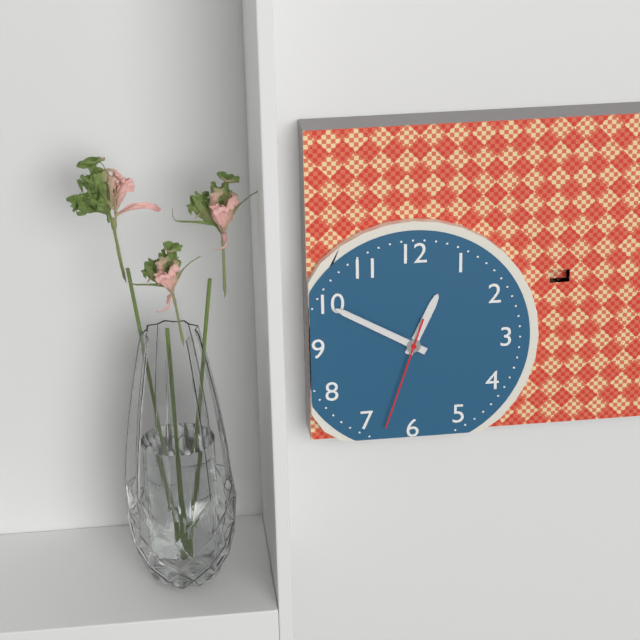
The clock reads h=12 m=50 s=33
